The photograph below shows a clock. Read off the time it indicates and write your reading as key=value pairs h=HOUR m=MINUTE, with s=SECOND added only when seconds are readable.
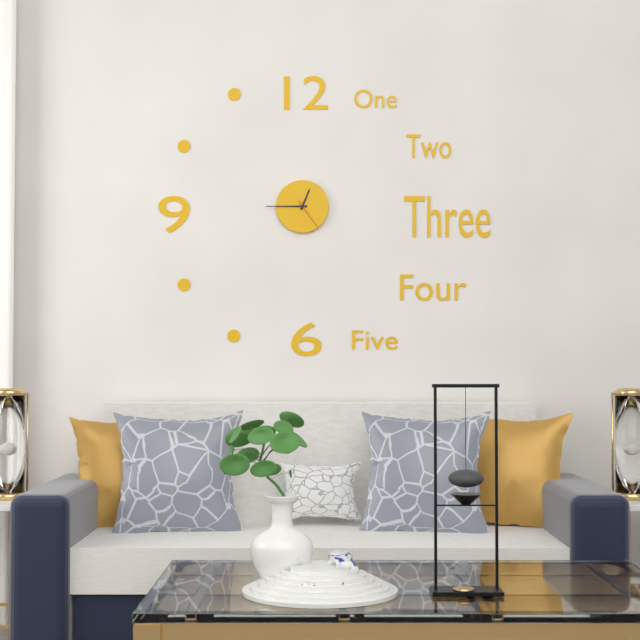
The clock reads h=12 m=45
